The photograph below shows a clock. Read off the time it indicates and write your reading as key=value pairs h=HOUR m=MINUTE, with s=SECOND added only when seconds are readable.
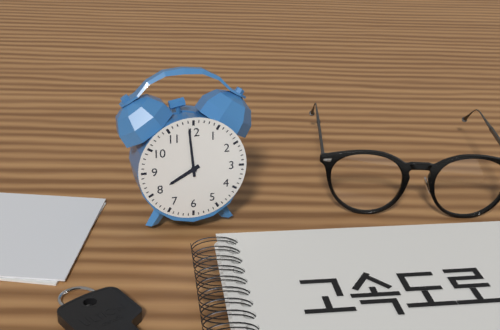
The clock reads h=7 m=59
